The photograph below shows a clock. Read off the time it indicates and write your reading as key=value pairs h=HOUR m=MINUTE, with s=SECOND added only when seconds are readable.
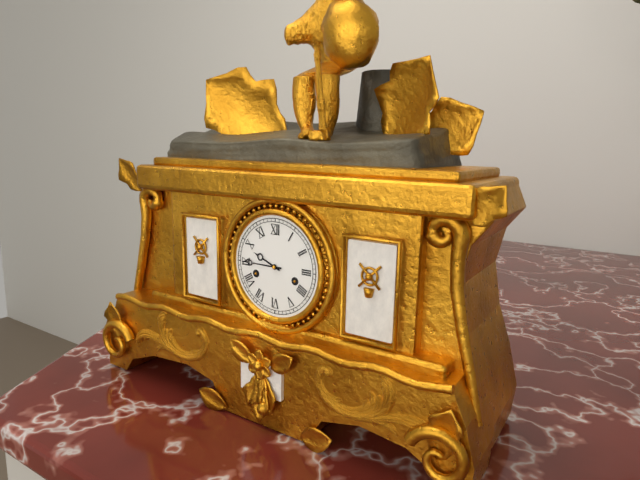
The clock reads h=9 m=45
